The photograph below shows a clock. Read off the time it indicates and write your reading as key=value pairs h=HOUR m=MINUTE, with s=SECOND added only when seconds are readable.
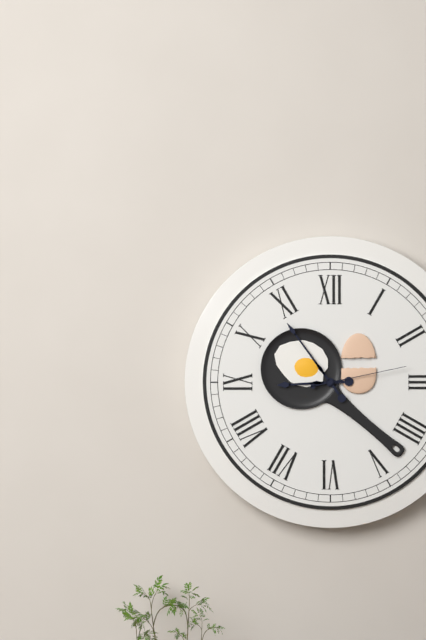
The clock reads h=8 m=54 s=13
